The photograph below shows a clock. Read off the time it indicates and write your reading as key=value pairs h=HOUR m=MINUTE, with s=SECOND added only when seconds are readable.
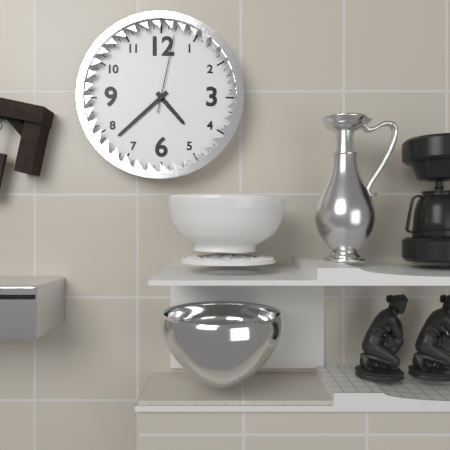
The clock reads h=4 m=38 s=2
